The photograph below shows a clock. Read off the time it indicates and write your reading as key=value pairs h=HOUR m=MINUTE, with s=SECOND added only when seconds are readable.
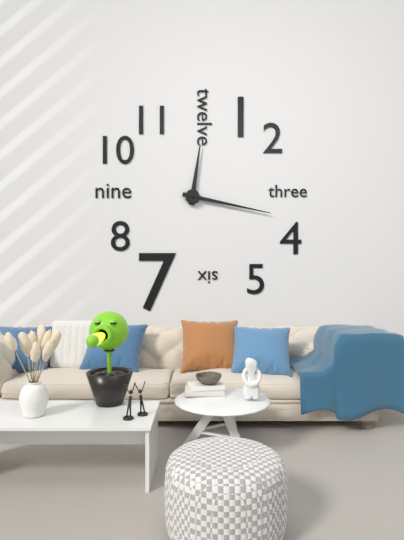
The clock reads h=12 m=17
